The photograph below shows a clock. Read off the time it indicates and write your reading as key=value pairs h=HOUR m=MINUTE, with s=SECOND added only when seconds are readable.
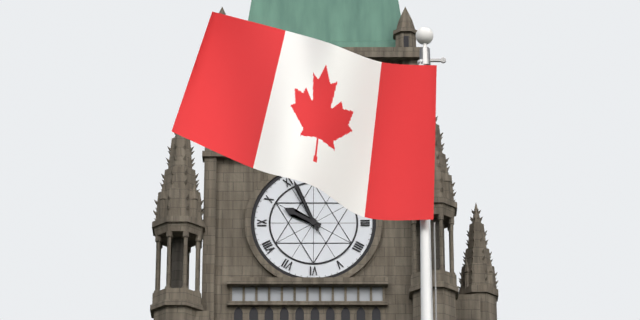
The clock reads h=9 m=56
